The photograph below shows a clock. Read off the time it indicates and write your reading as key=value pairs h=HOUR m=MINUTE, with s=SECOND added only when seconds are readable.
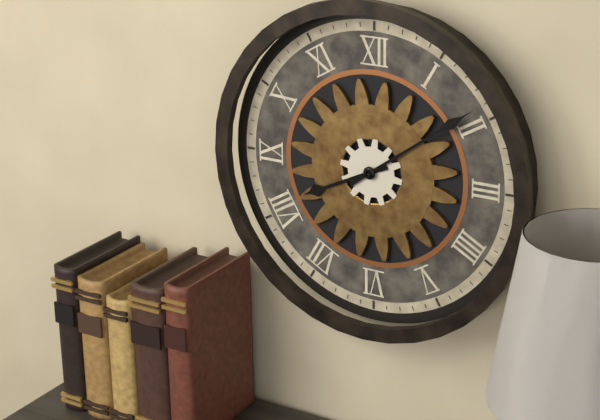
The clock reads h=8 m=9
